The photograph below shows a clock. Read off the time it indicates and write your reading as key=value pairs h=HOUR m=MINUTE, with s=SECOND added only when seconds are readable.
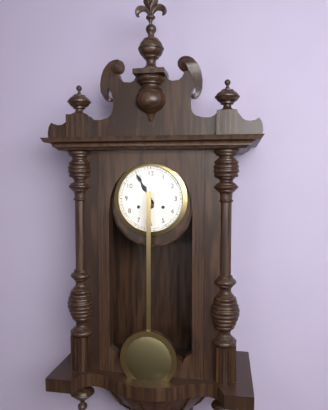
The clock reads h=10 m=55
